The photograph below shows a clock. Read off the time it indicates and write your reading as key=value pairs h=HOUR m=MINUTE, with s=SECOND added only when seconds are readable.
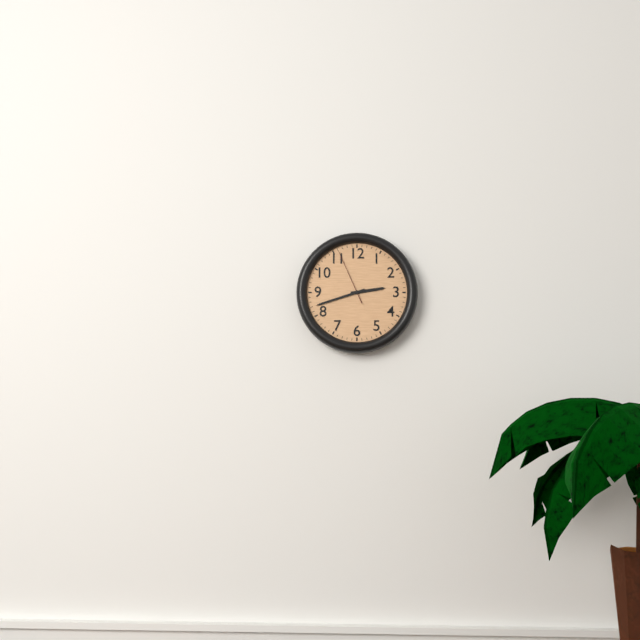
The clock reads h=2 m=42 s=56
